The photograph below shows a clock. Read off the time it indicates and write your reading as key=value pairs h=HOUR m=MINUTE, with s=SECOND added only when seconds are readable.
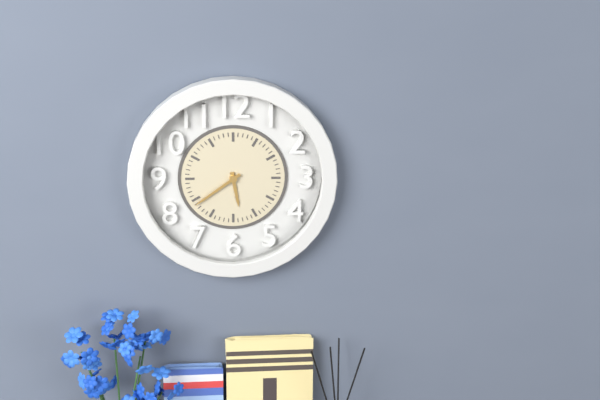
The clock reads h=5 m=39
